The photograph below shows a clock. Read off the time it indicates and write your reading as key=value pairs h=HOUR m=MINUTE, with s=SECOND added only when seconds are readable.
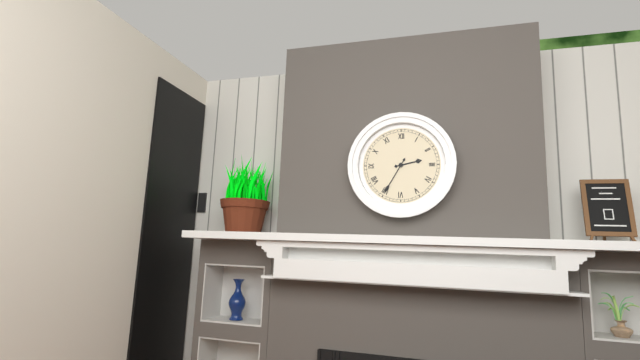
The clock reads h=2 m=35
